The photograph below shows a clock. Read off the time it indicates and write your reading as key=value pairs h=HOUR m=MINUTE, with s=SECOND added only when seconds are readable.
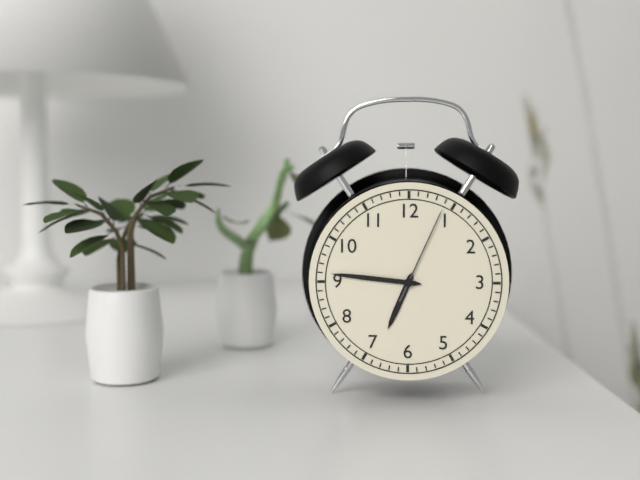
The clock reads h=6 m=46 s=4
